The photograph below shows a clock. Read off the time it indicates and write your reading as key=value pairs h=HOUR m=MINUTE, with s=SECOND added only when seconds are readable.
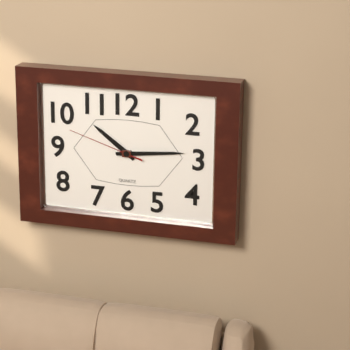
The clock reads h=10 m=14 s=48
